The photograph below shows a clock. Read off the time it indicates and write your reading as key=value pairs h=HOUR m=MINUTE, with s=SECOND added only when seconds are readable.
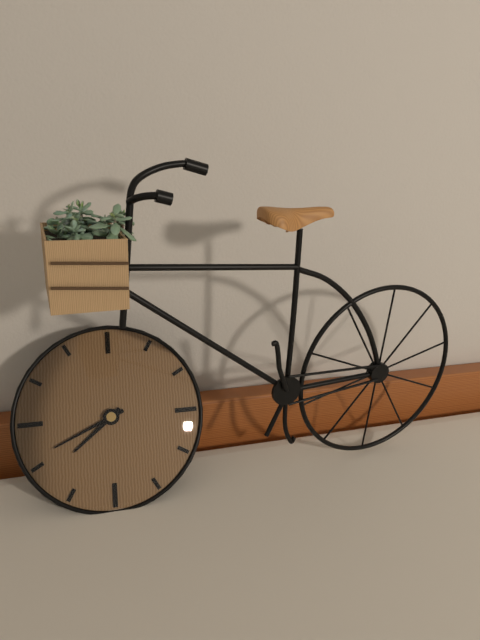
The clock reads h=7 m=41
